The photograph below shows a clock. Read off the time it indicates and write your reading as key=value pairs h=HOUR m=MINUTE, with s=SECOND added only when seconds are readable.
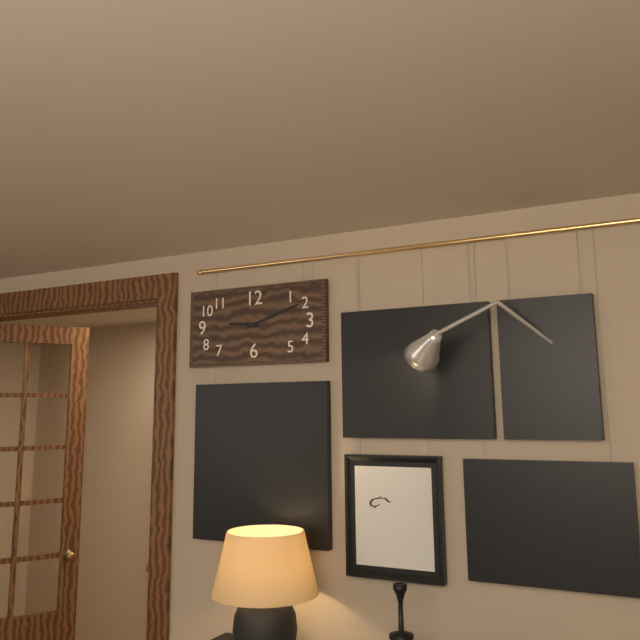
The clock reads h=9 m=12
